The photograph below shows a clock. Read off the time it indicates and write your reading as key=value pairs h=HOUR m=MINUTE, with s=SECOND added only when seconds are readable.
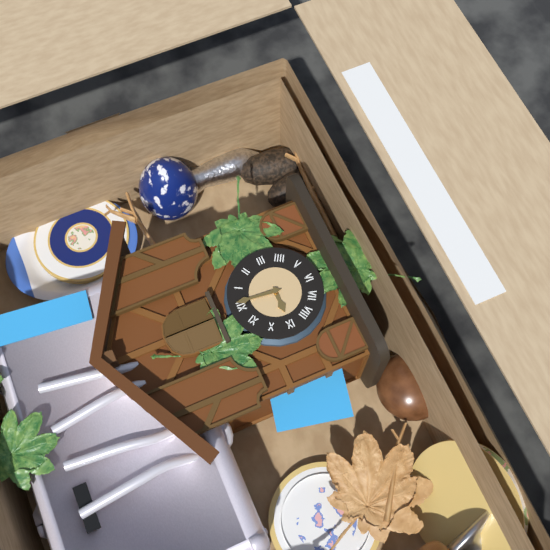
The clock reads h=9 m=1
